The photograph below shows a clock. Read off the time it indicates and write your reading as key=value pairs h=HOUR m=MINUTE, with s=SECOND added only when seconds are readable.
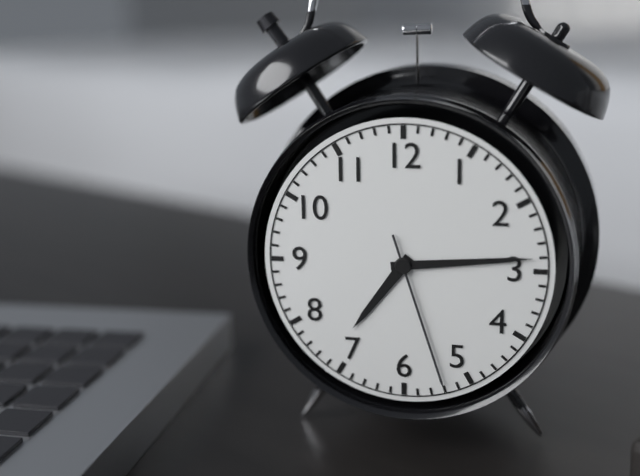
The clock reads h=7 m=14 s=27
